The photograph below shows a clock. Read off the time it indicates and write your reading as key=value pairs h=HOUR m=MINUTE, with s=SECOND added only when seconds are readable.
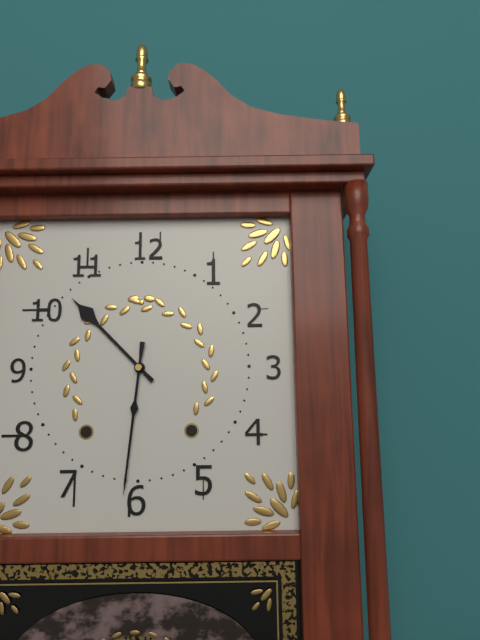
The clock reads h=10 m=31
